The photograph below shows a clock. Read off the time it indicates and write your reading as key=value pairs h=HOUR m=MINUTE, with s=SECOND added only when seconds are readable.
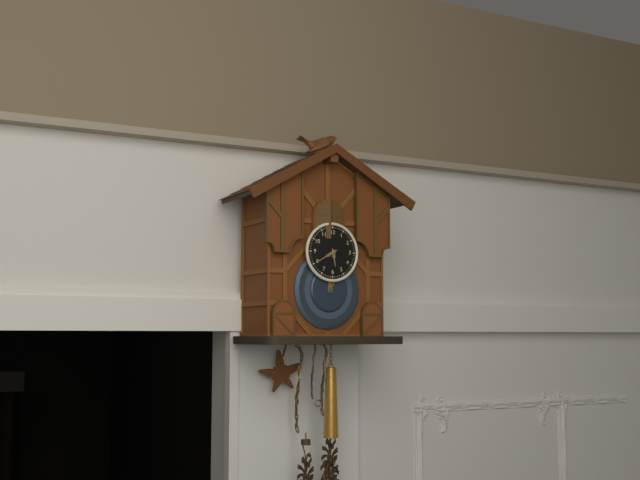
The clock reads h=5 m=40
